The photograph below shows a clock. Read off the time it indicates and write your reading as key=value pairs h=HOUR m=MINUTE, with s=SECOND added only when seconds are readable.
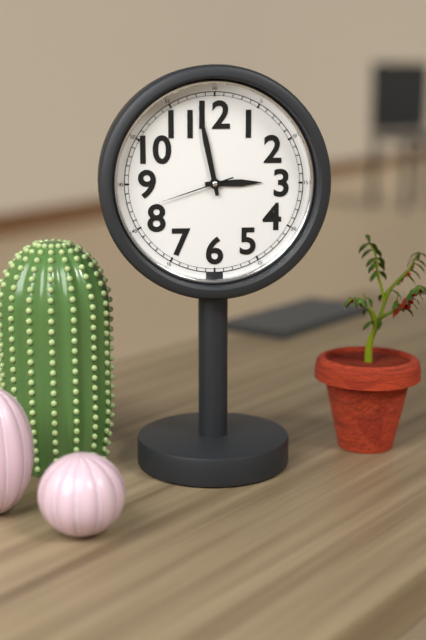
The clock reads h=2 m=58 s=42
